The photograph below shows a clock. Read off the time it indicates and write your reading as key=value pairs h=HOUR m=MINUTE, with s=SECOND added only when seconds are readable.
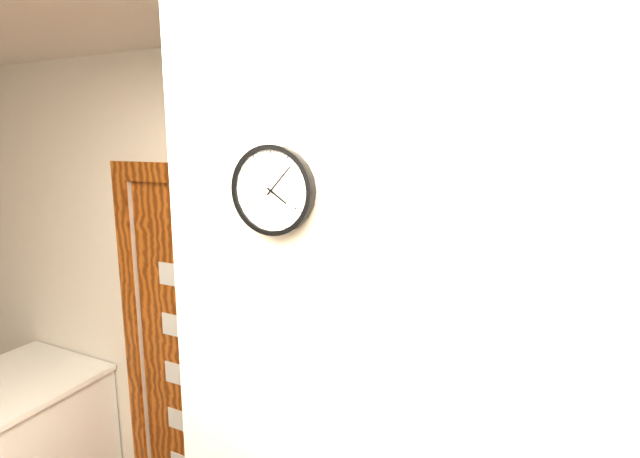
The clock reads h=4 m=7
